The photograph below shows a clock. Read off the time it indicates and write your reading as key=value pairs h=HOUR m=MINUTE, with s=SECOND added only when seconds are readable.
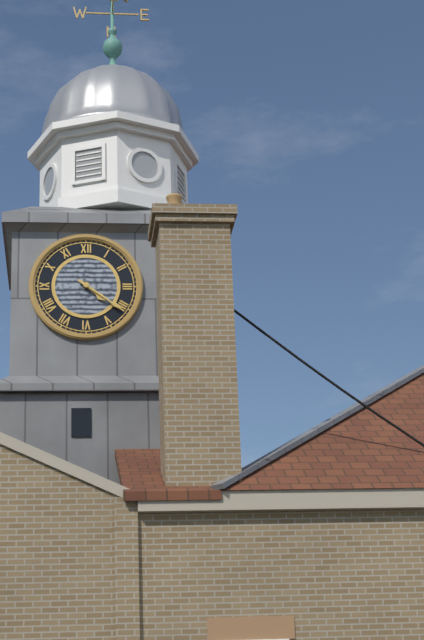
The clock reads h=4 m=21
